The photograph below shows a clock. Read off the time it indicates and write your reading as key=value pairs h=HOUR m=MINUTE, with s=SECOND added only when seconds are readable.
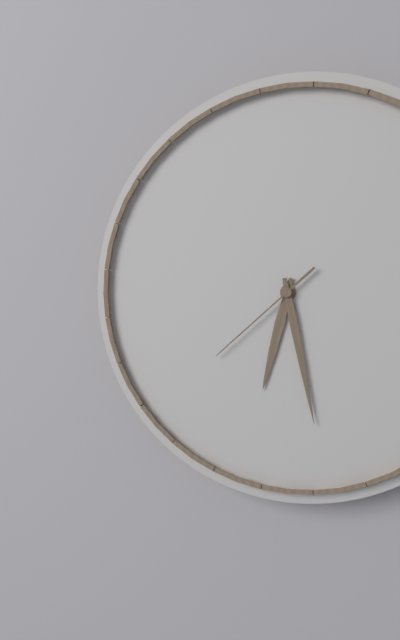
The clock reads h=6 m=28 s=38
